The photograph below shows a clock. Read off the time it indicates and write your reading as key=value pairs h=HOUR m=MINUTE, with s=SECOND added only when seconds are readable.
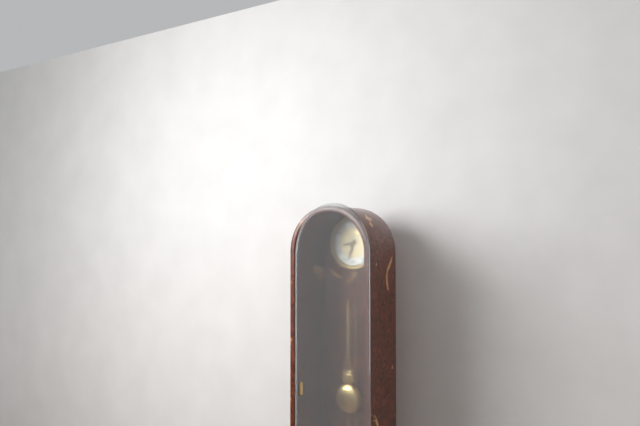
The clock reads h=8 m=33
